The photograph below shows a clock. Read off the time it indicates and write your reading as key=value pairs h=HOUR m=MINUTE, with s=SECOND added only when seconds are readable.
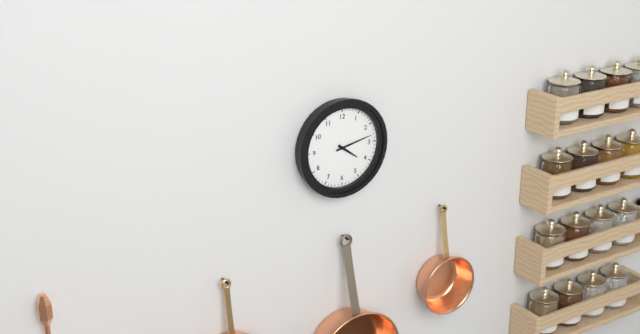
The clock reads h=4 m=13
